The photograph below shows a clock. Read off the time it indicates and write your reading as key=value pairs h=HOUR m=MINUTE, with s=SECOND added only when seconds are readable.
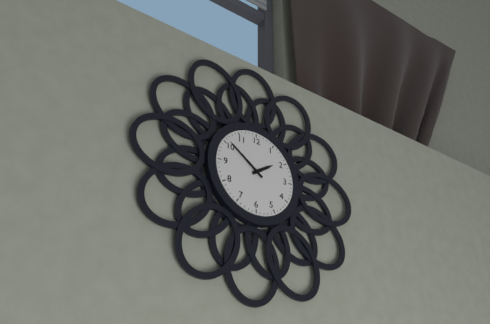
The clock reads h=1 m=51
